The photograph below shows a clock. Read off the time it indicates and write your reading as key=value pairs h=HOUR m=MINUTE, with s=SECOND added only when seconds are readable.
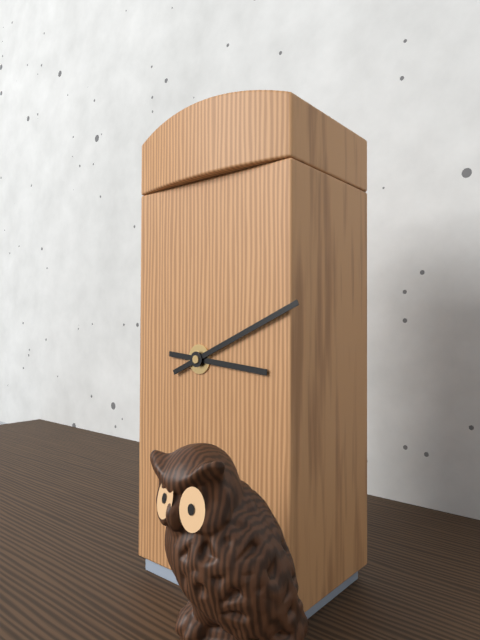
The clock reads h=3 m=11
